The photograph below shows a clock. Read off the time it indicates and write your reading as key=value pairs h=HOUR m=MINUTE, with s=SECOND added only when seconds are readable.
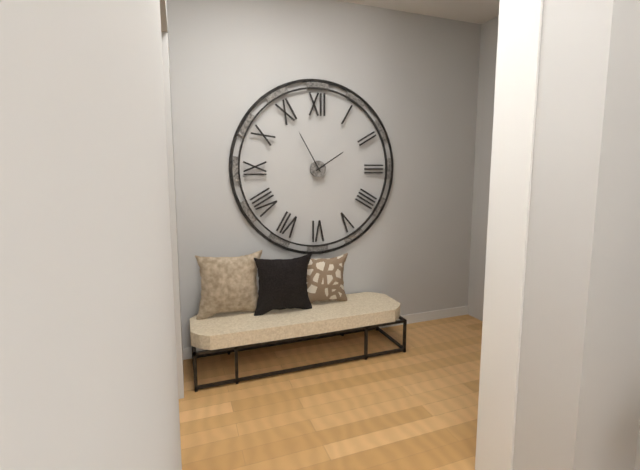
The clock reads h=1 m=55
